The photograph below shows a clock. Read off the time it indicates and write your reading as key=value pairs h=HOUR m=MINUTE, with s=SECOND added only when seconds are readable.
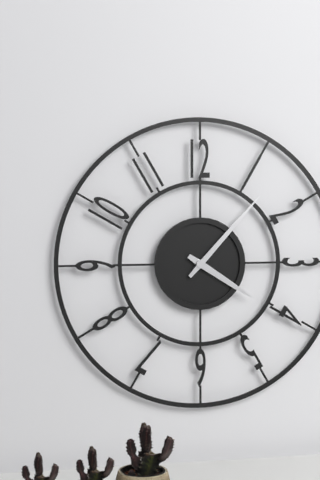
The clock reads h=4 m=7
